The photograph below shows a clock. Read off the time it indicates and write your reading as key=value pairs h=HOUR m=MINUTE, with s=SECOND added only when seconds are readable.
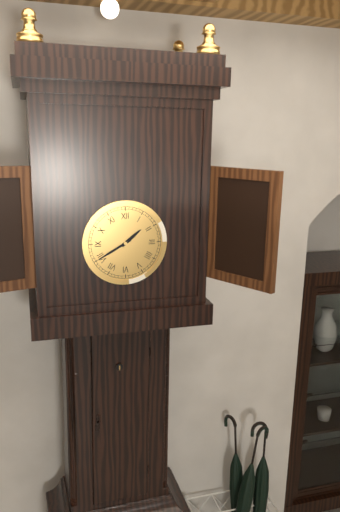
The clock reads h=1 m=40
